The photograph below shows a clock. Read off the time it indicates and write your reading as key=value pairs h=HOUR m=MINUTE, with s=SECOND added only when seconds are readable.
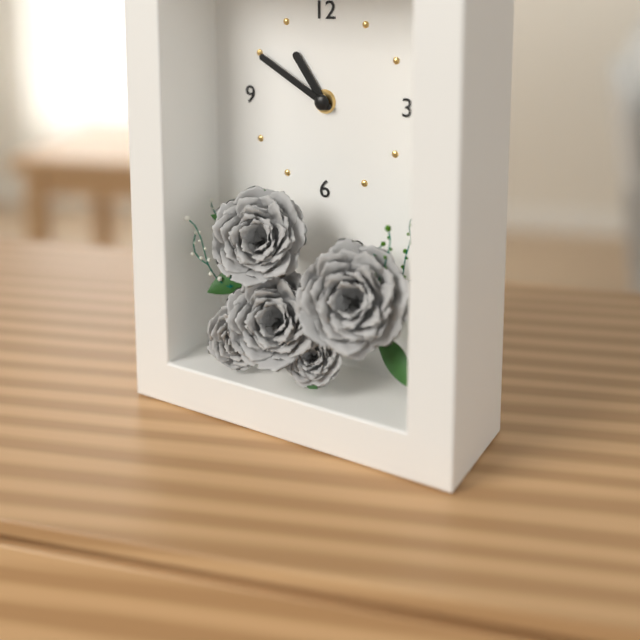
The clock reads h=10 m=50
